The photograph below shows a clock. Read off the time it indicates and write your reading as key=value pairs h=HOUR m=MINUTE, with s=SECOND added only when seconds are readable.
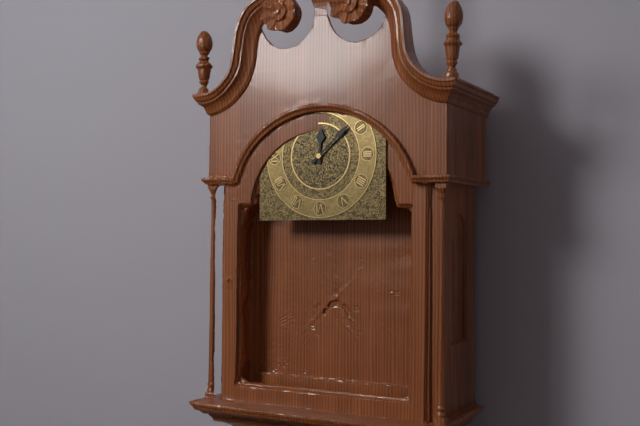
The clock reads h=12 m=8
